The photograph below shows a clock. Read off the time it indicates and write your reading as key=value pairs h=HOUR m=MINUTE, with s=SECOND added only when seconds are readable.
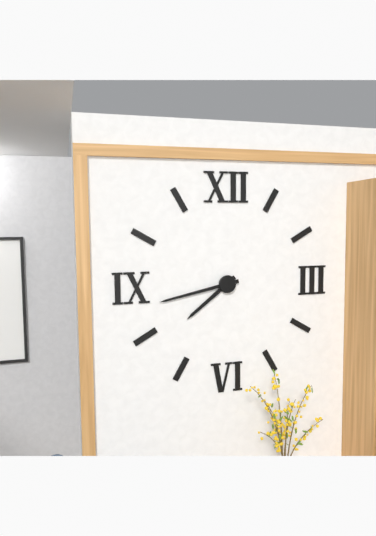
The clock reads h=7 m=43
